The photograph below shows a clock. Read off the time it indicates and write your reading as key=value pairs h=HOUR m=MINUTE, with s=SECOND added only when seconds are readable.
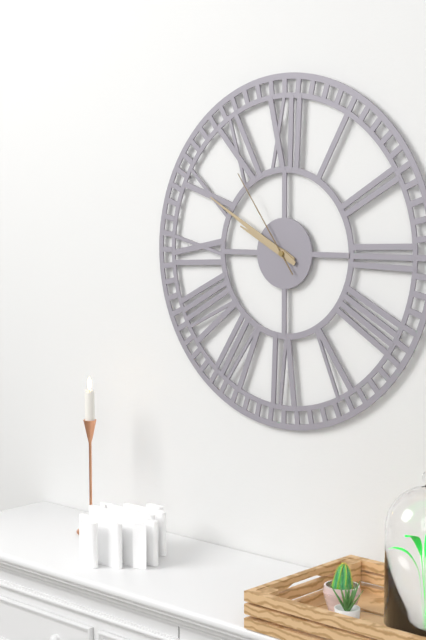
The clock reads h=9 m=50 s=54
